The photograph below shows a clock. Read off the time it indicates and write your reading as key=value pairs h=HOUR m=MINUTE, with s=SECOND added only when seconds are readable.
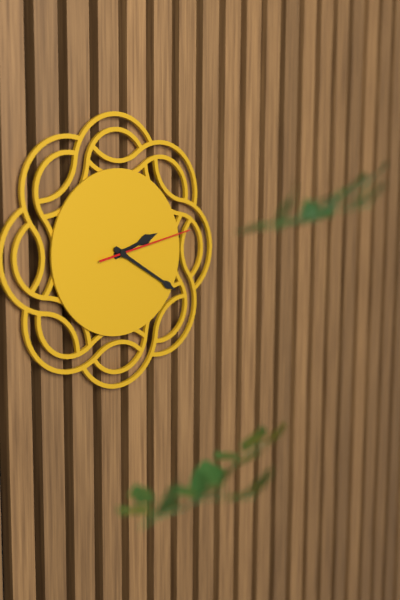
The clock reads h=2 m=20 s=13
